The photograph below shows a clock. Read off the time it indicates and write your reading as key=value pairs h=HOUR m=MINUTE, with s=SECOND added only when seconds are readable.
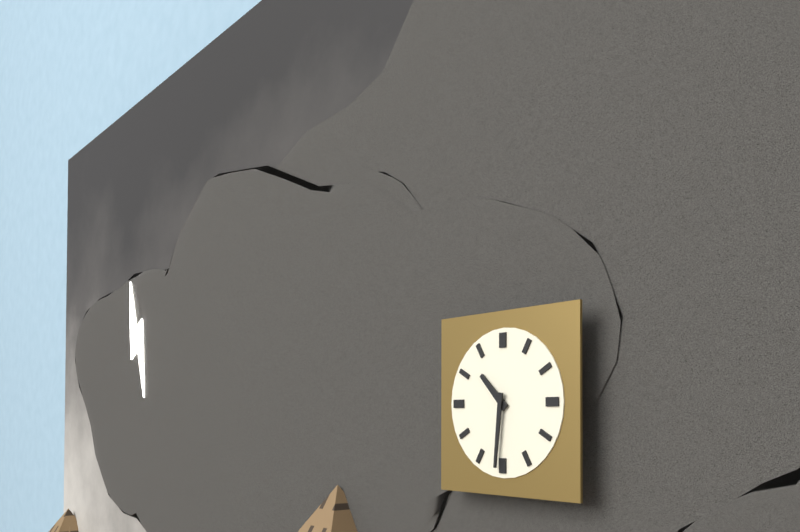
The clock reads h=10 m=31
